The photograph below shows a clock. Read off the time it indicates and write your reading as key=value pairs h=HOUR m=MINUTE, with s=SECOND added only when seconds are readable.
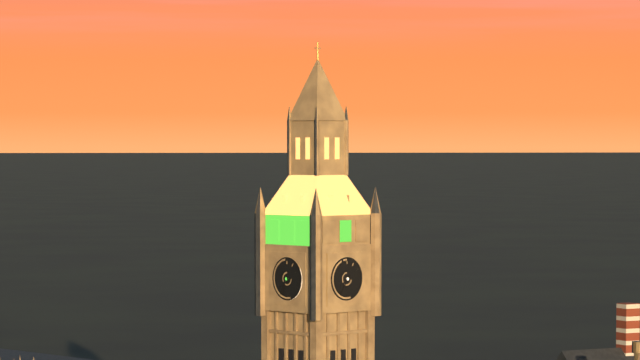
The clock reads h=7 m=35
